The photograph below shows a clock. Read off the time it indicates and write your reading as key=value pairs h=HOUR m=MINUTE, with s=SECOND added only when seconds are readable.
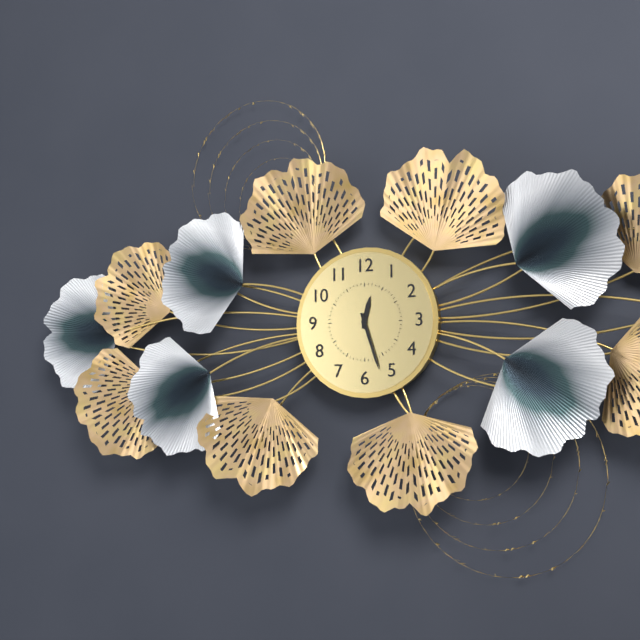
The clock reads h=12 m=27
